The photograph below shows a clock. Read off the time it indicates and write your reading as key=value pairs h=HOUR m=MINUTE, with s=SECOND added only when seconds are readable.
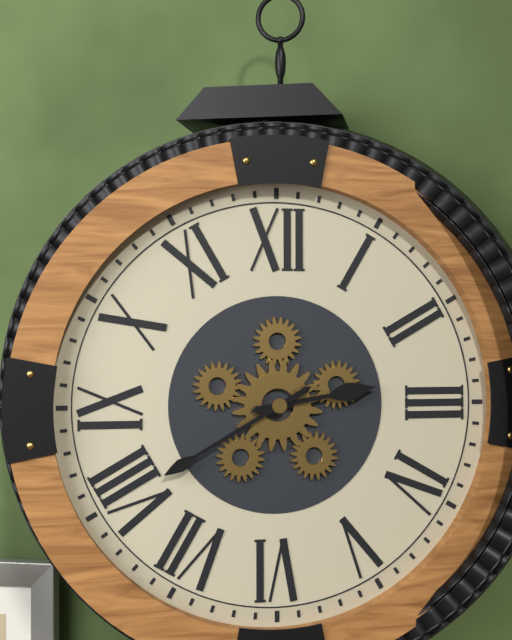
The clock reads h=2 m=40
